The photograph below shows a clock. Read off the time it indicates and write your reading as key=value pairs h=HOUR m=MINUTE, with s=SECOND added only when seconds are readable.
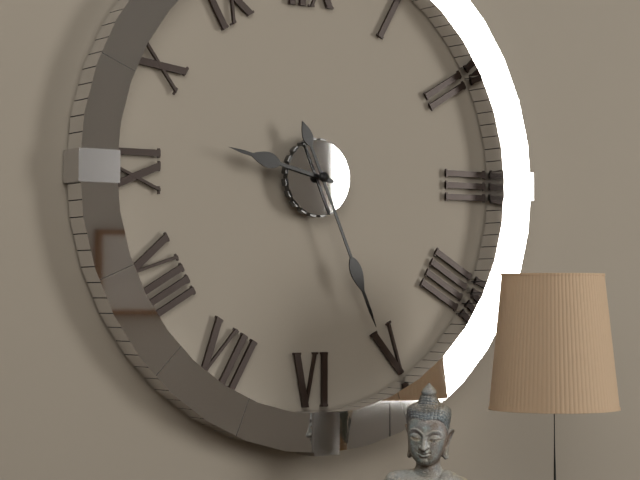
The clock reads h=9 m=26
